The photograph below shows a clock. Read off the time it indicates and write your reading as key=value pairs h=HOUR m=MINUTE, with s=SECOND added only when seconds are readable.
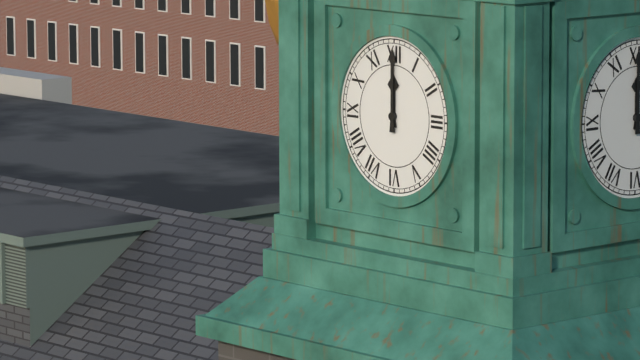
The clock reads h=12 m=0
